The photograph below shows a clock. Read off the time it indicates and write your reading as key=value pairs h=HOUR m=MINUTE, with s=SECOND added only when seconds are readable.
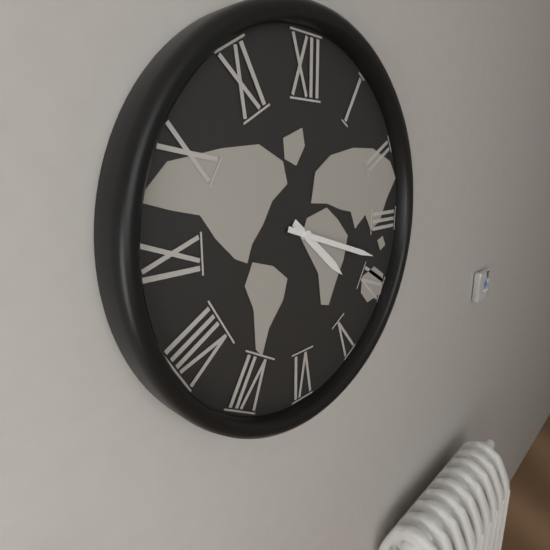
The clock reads h=4 m=18
